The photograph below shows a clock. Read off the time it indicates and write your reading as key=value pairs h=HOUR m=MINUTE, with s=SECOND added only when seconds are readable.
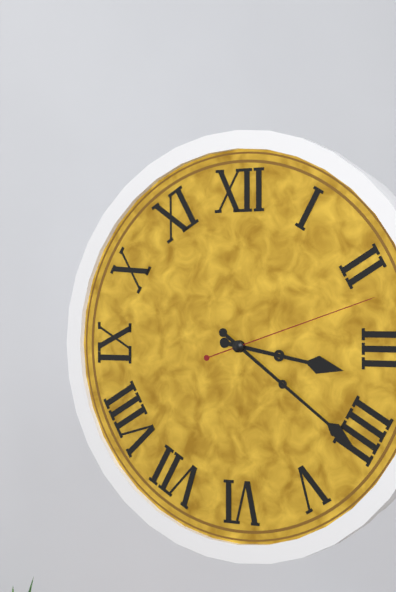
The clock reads h=3 m=21 s=12
